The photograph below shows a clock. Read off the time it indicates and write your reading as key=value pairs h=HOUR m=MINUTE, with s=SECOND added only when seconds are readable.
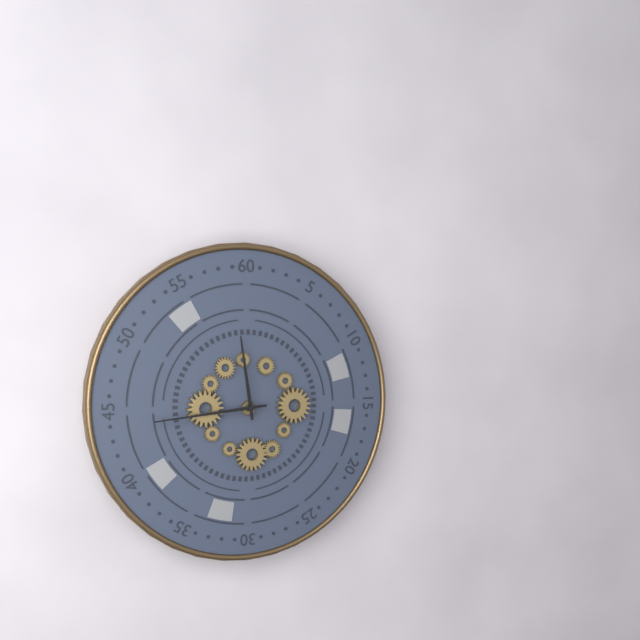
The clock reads h=11 m=44
